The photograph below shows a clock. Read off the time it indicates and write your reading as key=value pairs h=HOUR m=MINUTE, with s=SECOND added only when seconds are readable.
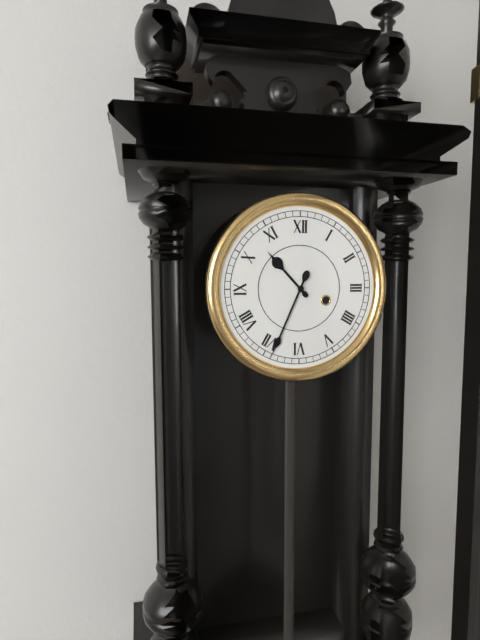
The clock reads h=10 m=34
